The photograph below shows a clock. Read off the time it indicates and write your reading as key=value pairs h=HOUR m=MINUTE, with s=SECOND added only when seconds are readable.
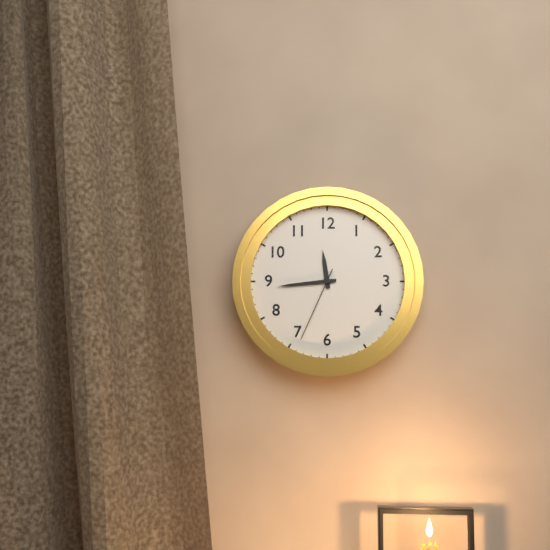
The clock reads h=11 m=44 s=34
